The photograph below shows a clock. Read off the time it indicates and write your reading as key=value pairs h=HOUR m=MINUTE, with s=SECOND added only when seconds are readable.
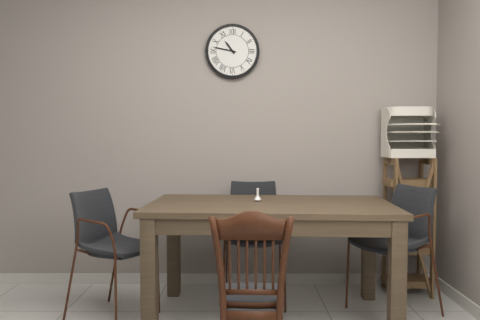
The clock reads h=10 m=47
